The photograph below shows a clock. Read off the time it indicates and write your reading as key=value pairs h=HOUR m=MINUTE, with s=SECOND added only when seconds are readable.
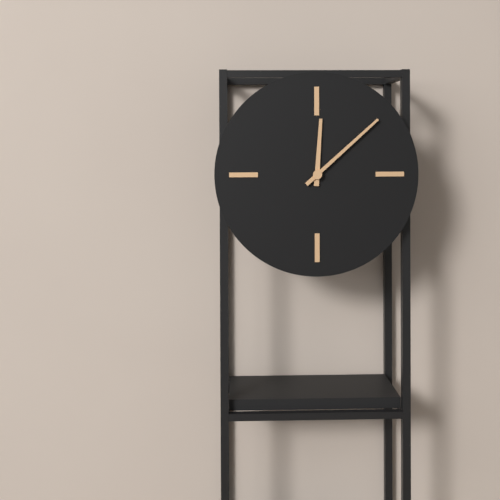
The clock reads h=12 m=8
